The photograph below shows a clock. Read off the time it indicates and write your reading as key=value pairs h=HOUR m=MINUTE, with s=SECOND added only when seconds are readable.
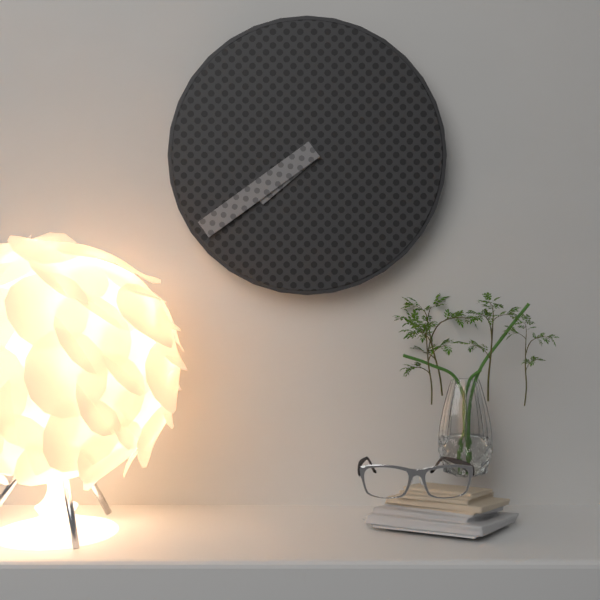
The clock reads h=7 m=39
